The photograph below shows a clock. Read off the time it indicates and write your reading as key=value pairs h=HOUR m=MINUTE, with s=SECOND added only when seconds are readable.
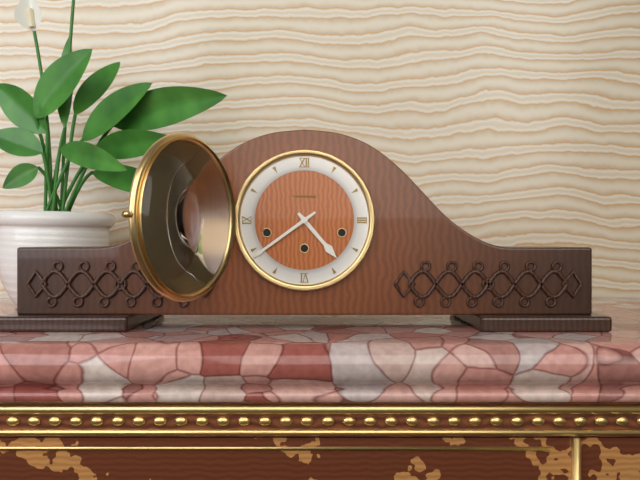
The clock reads h=4 m=39
